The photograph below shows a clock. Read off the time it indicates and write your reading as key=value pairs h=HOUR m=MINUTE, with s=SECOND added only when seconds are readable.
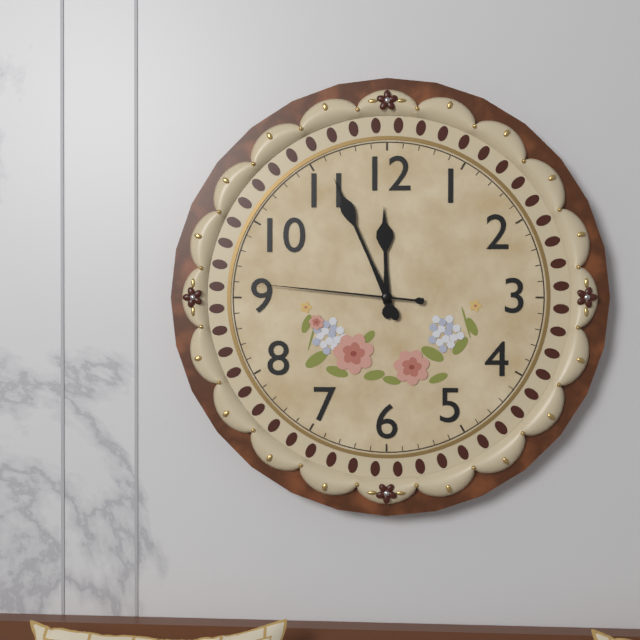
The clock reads h=11 m=56 s=46
